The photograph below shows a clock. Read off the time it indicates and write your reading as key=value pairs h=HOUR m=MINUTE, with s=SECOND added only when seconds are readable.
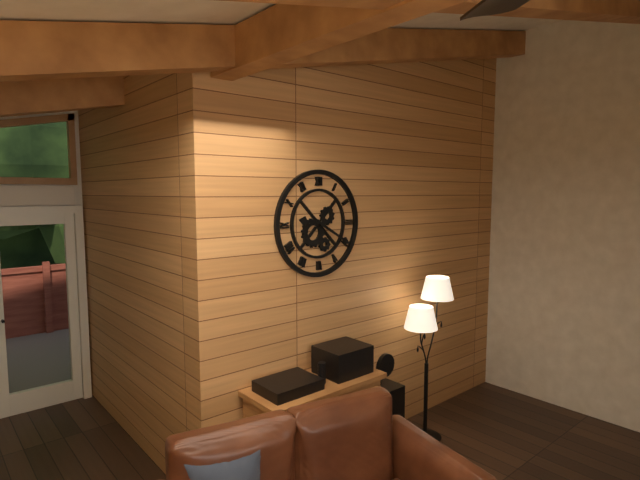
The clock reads h=9 m=20
